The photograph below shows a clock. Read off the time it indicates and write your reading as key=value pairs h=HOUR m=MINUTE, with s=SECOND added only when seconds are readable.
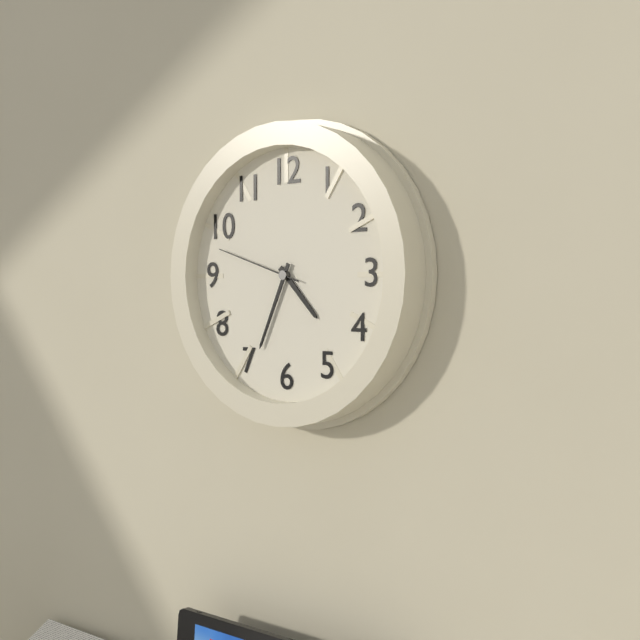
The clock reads h=4 m=34 s=48
